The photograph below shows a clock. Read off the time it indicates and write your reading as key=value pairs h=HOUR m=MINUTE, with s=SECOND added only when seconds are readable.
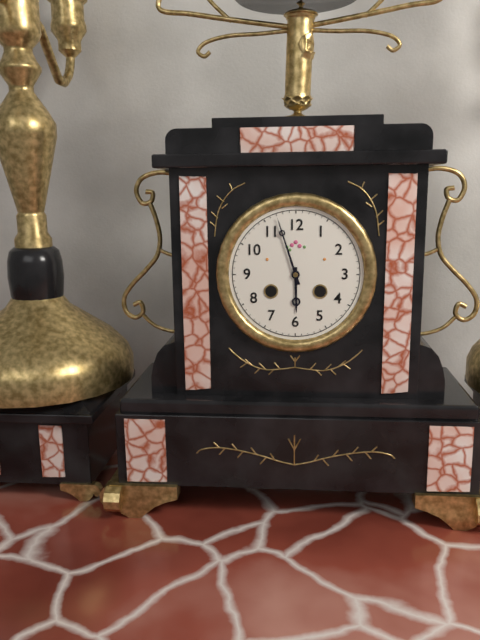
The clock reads h=5 m=57
